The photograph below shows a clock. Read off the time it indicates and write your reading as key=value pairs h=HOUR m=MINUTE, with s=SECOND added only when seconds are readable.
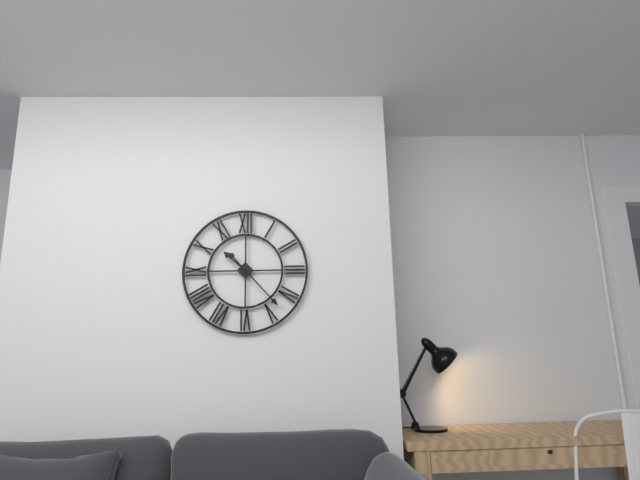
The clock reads h=10 m=23
